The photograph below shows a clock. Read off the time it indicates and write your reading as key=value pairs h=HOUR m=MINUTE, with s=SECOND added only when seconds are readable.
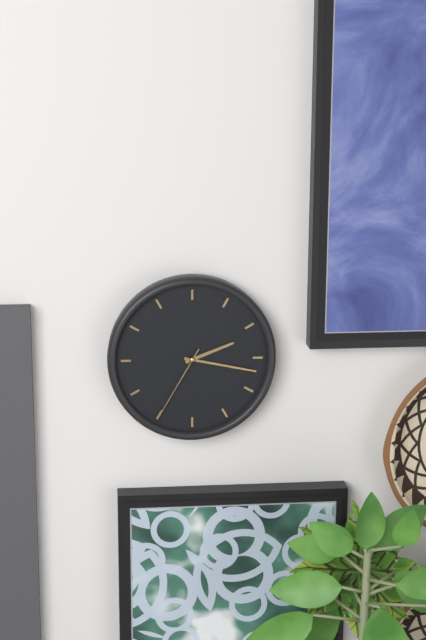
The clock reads h=2 m=17 s=35
